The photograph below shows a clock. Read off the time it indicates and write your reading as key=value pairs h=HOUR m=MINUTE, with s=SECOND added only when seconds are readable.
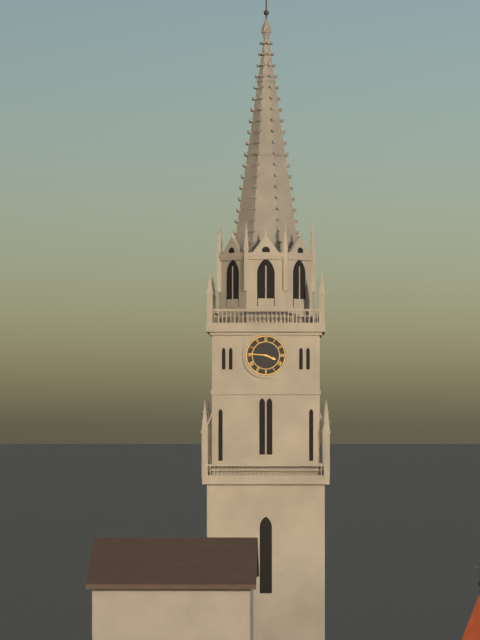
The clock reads h=3 m=46
